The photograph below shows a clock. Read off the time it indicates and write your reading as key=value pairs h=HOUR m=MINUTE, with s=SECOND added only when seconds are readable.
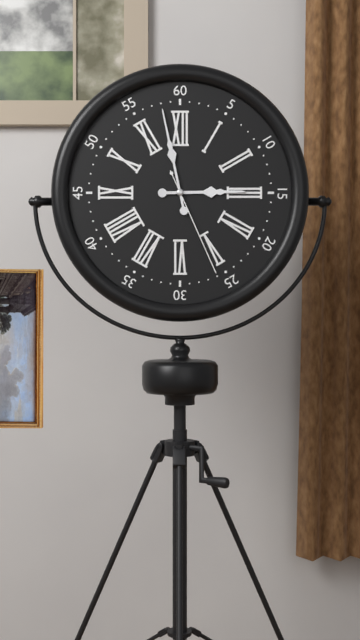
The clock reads h=2 m=58 s=26
